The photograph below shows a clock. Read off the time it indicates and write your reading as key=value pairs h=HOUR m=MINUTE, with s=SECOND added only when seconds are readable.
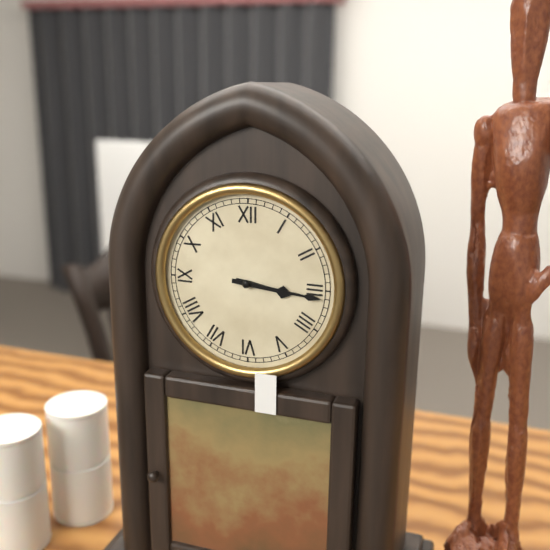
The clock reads h=3 m=16
